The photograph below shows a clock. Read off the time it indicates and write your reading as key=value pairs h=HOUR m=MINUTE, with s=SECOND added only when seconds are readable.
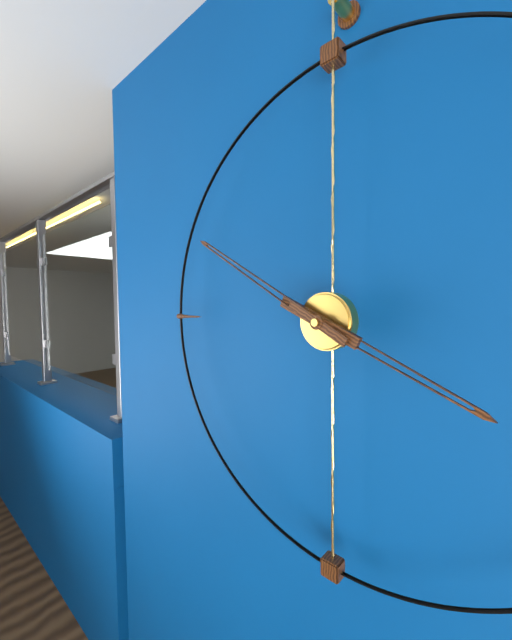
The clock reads h=3 m=50
